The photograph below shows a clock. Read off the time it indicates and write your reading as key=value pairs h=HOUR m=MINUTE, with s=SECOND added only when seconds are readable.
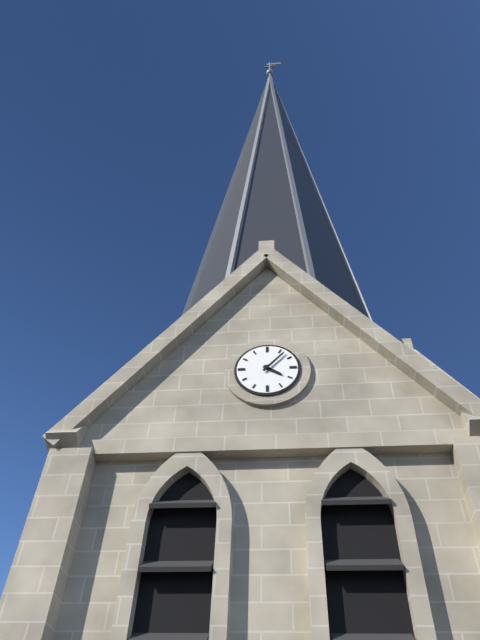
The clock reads h=4 m=7
